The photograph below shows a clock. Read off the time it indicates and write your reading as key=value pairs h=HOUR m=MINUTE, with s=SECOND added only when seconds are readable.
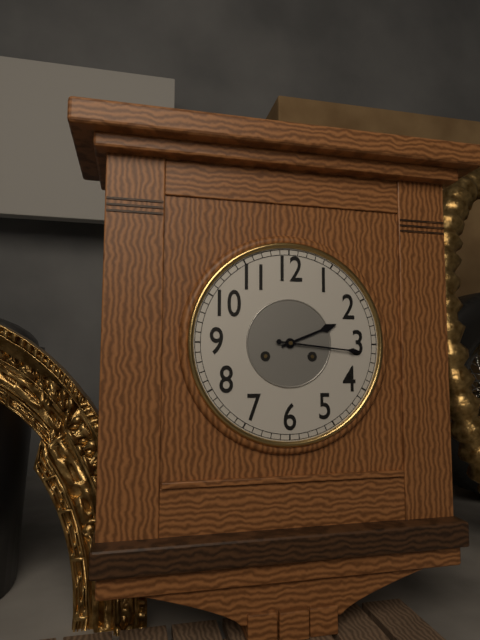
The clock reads h=2 m=16
